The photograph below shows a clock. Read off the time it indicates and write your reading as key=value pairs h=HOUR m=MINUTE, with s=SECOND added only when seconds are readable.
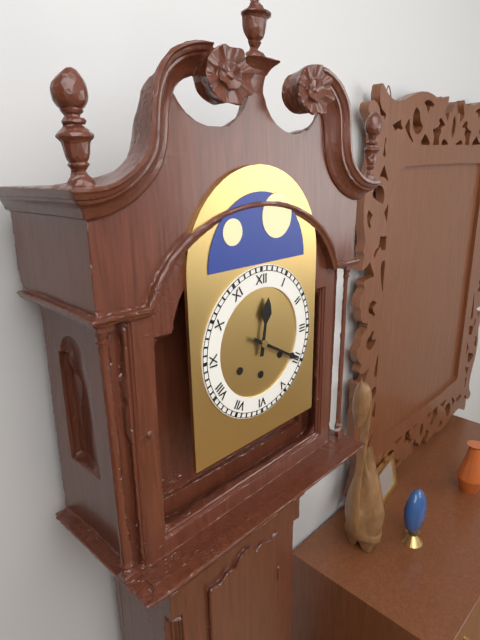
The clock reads h=12 m=20
